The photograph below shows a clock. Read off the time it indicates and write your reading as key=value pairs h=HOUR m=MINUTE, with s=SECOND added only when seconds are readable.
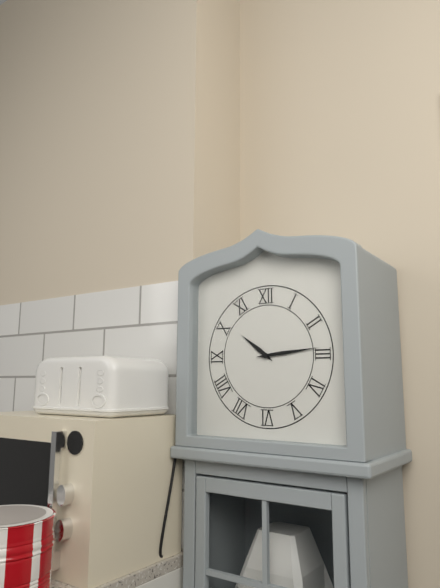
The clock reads h=10 m=14
